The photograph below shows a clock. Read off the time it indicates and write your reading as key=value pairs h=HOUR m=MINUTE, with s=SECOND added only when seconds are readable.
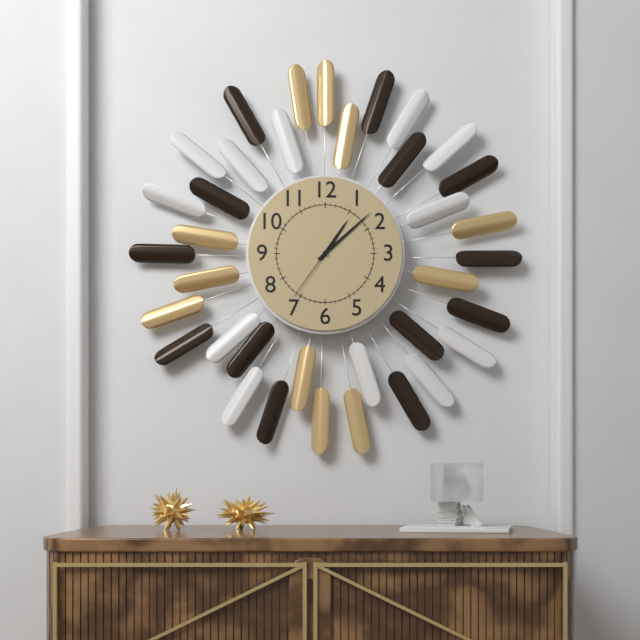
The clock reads h=1 m=8 s=36
